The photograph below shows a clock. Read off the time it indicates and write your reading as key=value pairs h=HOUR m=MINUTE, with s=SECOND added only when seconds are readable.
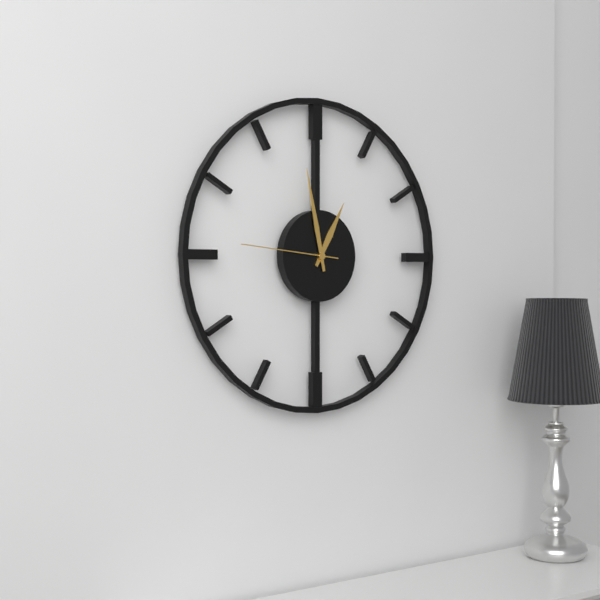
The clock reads h=12 m=58 s=46
